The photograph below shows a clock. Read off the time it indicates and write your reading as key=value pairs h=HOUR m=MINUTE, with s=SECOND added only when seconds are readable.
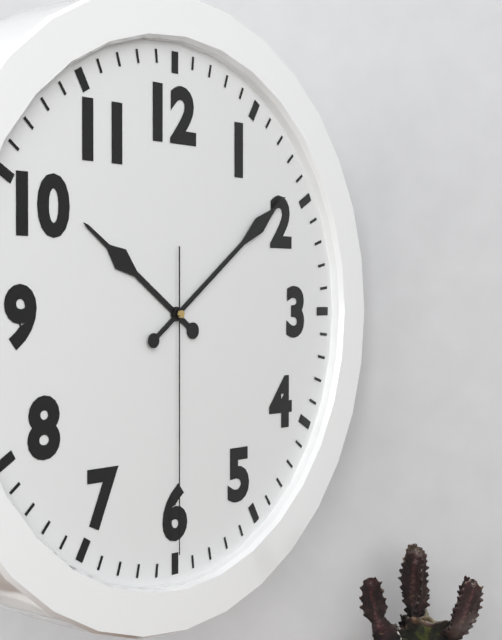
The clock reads h=10 m=9 s=30
